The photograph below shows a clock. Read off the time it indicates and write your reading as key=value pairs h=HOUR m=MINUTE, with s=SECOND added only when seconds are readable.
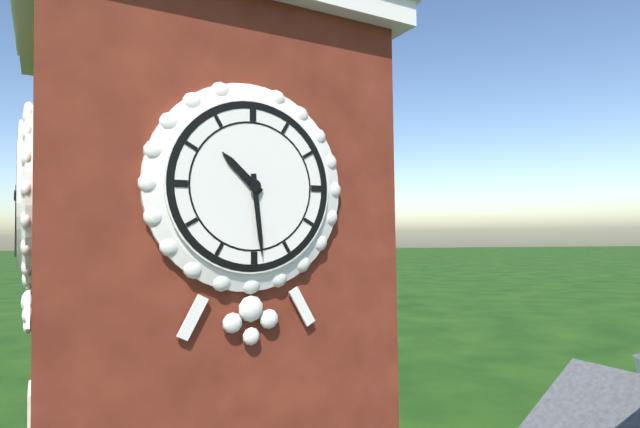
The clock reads h=10 m=29
